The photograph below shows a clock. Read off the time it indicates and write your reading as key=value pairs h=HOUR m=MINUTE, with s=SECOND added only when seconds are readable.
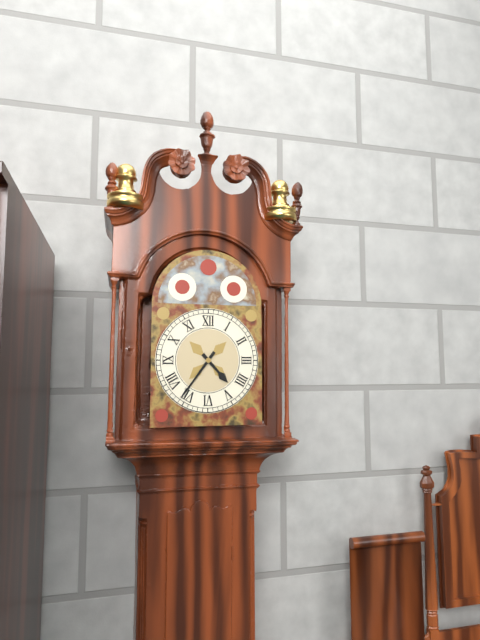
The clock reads h=4 m=36
